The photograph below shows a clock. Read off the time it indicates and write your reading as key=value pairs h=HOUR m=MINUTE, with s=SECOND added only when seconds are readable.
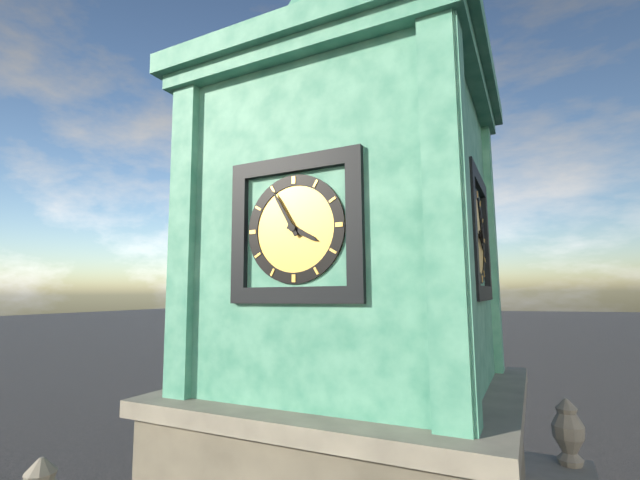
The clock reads h=3 m=55
